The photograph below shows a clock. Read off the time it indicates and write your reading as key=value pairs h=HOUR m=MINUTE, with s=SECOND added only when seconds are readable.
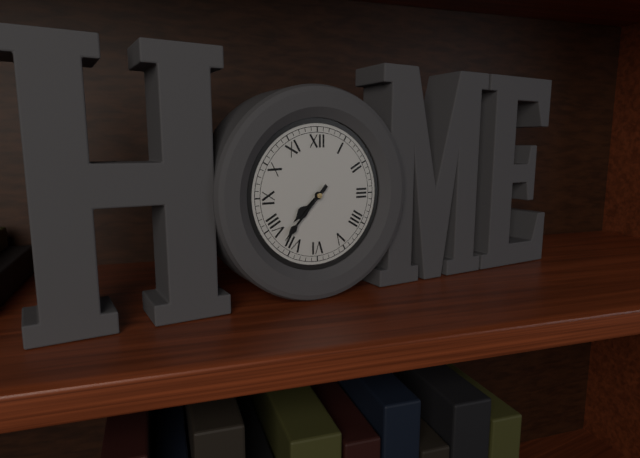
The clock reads h=7 m=37
